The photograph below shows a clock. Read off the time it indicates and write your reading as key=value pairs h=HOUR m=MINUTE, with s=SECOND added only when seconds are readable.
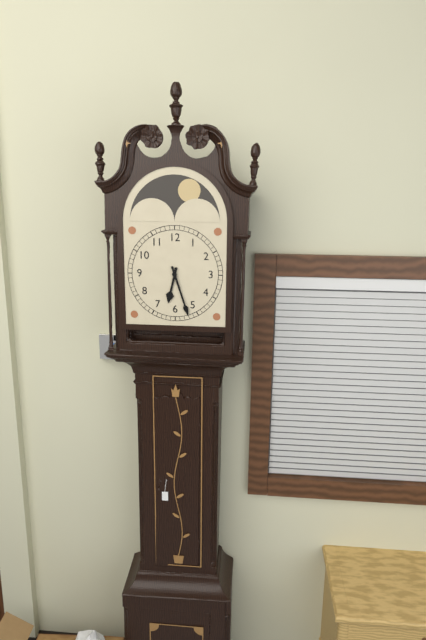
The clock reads h=6 m=27
